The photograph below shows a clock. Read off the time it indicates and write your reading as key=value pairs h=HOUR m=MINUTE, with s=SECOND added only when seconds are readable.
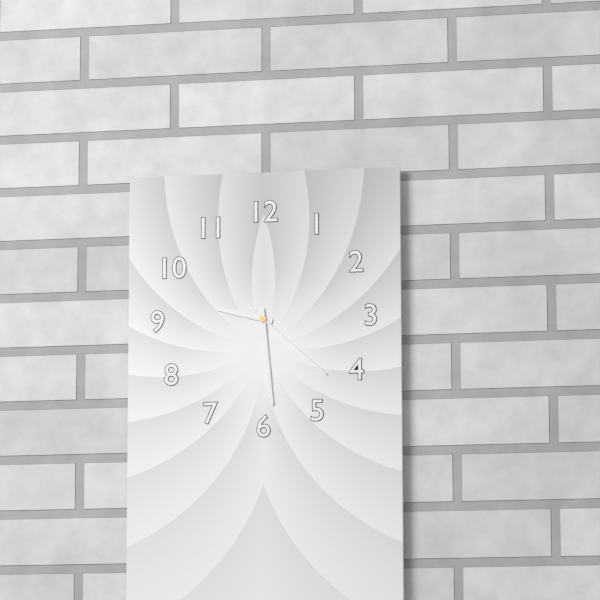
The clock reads h=9 m=29 s=22
